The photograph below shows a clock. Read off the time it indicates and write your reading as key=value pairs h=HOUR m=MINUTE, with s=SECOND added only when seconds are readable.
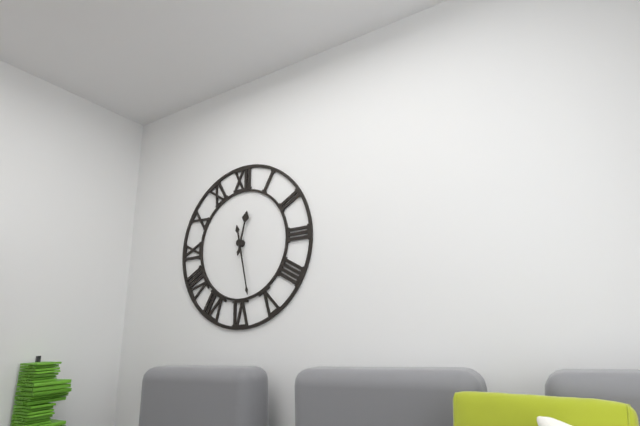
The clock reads h=12 m=28
